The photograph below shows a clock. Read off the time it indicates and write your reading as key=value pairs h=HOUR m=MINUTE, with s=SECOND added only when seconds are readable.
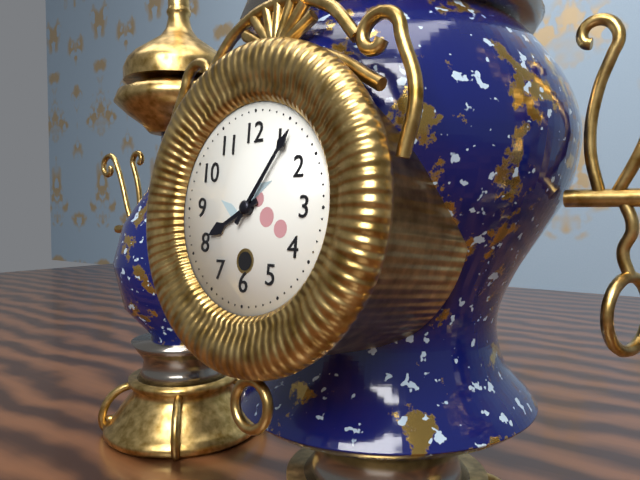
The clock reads h=8 m=6
